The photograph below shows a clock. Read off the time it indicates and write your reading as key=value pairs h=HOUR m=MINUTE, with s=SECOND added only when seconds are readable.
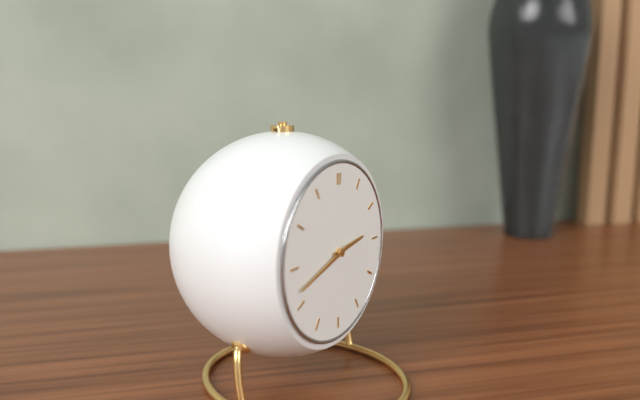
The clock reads h=2 m=42
